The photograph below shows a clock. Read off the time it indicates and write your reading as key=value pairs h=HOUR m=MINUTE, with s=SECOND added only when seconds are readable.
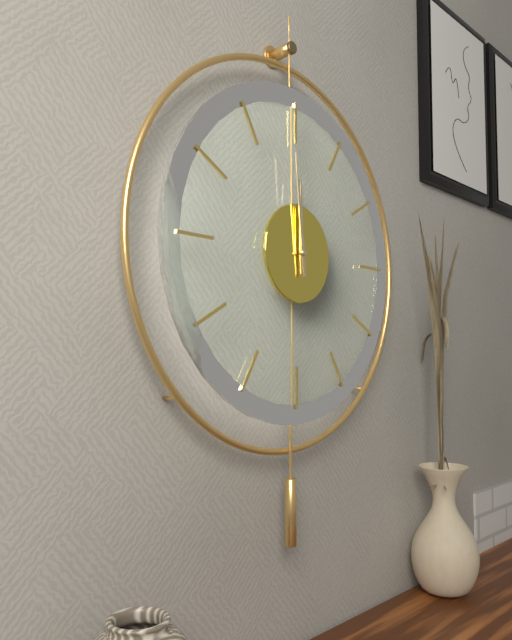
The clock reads h=11 m=59
